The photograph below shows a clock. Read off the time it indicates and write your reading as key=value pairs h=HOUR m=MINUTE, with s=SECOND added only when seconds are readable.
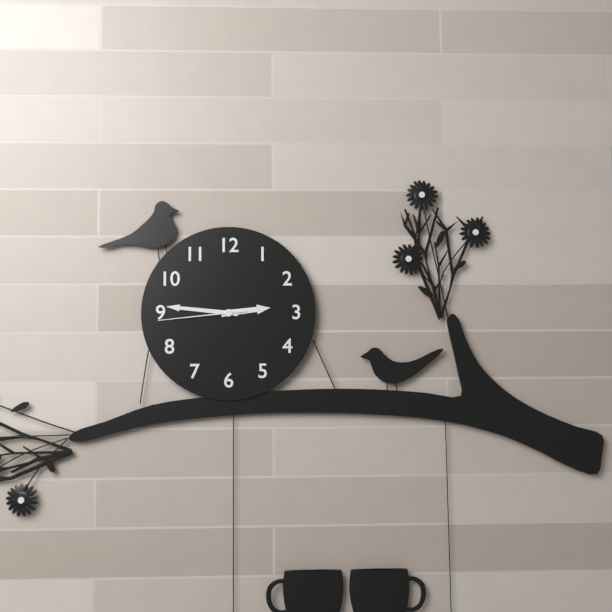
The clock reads h=2 m=46 s=44
